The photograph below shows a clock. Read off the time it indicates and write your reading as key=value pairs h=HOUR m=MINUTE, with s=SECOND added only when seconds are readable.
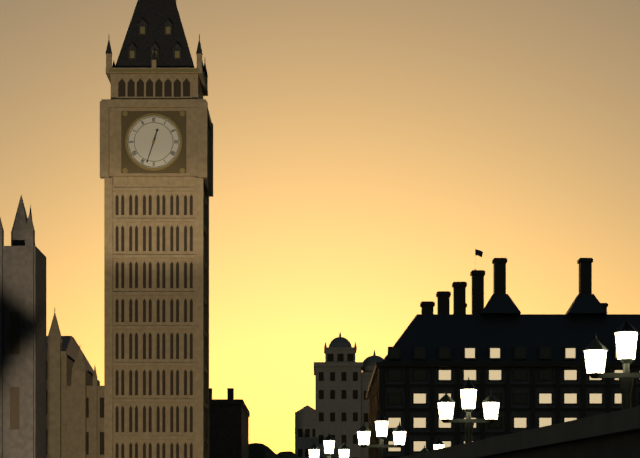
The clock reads h=12 m=33
